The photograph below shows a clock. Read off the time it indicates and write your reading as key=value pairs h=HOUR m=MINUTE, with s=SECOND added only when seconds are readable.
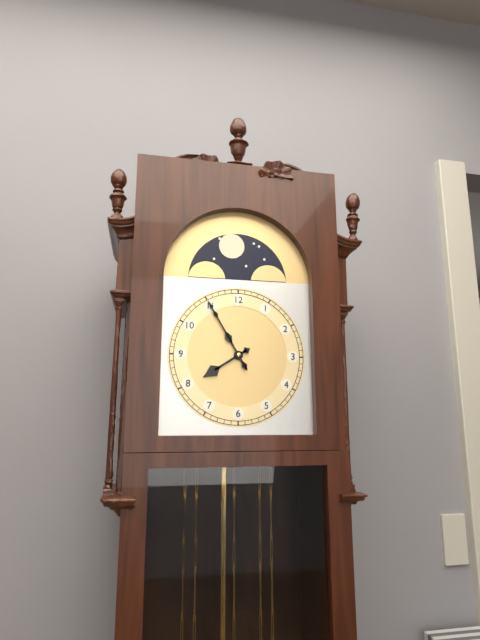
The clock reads h=7 m=55
